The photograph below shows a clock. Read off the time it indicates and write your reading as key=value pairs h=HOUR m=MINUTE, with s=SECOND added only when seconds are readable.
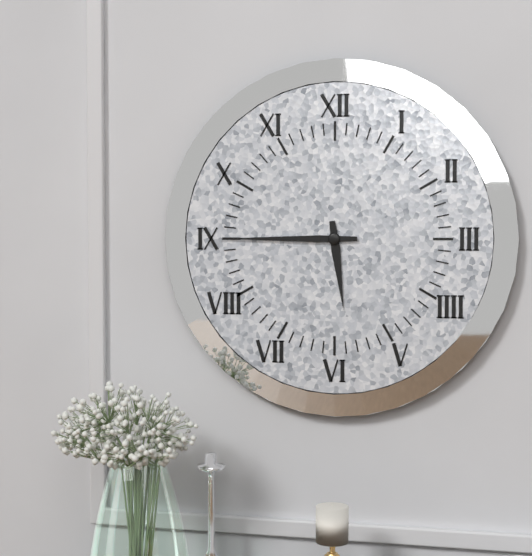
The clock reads h=5 m=45
